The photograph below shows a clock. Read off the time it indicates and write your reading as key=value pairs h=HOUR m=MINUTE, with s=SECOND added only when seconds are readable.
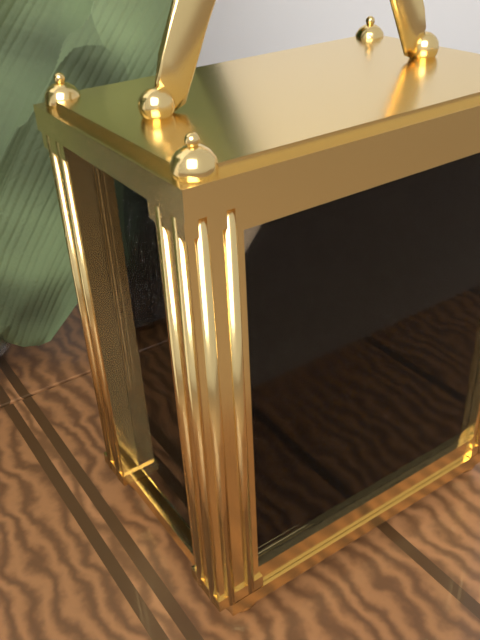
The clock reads h=1 m=11
